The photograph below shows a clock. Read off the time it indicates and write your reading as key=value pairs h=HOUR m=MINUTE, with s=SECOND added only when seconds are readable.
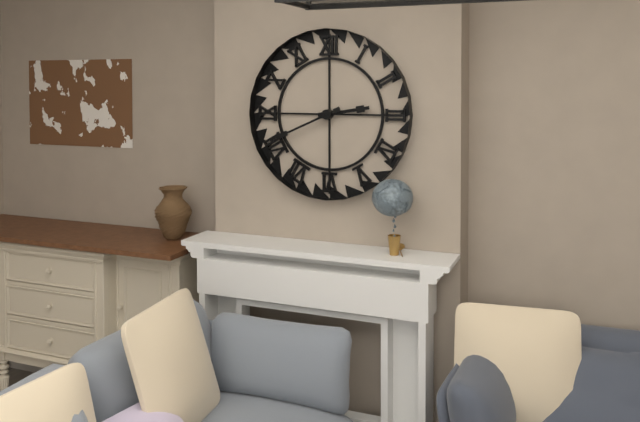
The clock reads h=2 m=41
